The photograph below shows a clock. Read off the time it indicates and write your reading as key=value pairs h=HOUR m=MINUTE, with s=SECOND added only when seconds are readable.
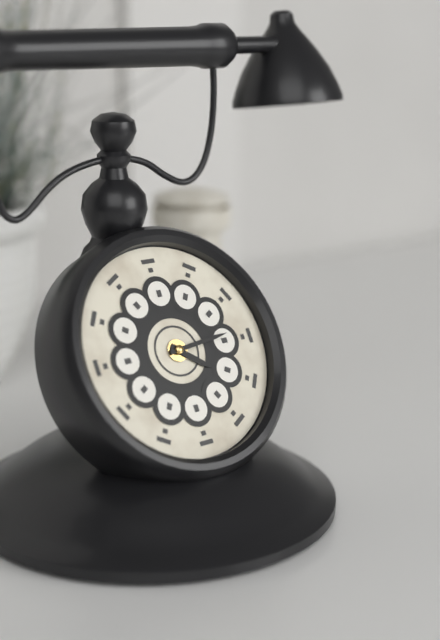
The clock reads h=4 m=14
